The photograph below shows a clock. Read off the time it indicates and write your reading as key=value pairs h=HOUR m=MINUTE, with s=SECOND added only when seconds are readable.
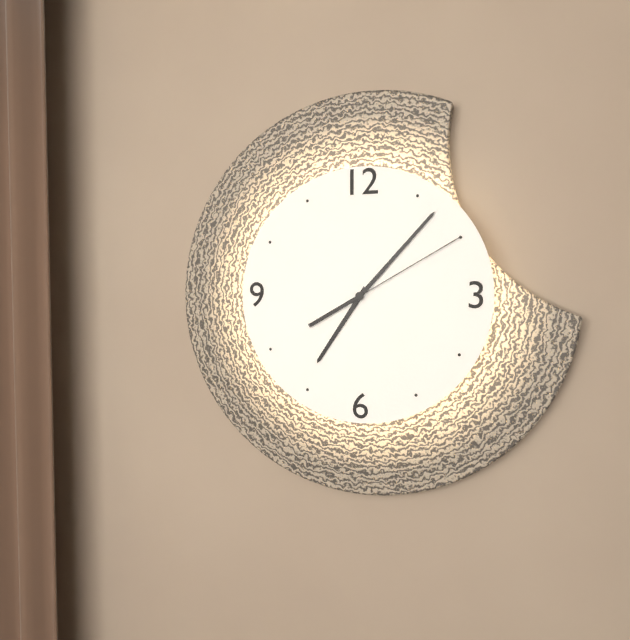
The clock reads h=7 m=7 s=10
